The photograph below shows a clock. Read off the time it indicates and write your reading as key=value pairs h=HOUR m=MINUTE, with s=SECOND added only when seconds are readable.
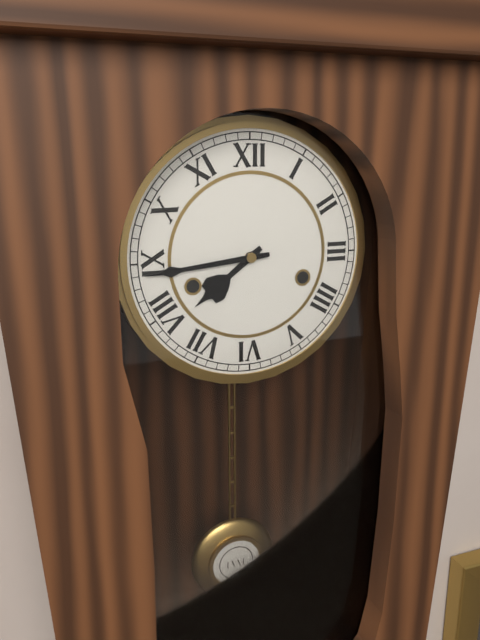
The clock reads h=7 m=44
